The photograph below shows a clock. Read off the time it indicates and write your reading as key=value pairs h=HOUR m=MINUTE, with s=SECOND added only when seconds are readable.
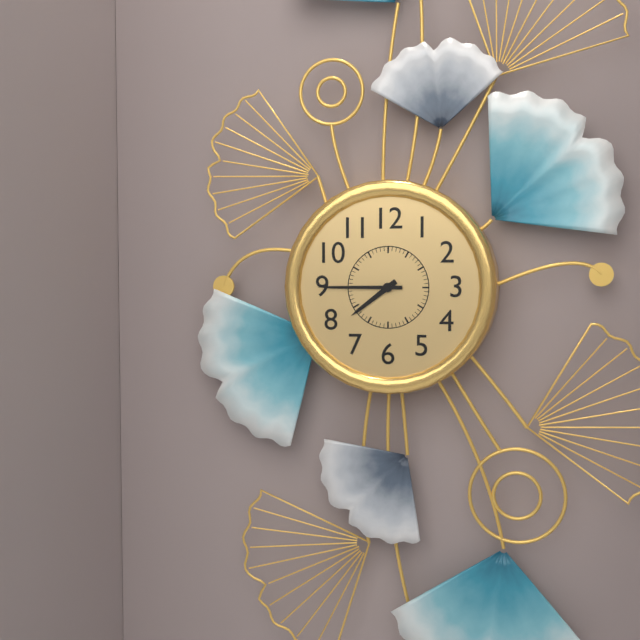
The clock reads h=7 m=45
